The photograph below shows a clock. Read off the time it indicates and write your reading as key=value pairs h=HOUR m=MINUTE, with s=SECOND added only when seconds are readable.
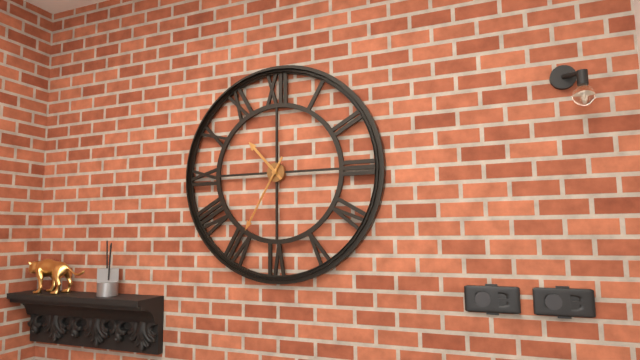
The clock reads h=10 m=35
